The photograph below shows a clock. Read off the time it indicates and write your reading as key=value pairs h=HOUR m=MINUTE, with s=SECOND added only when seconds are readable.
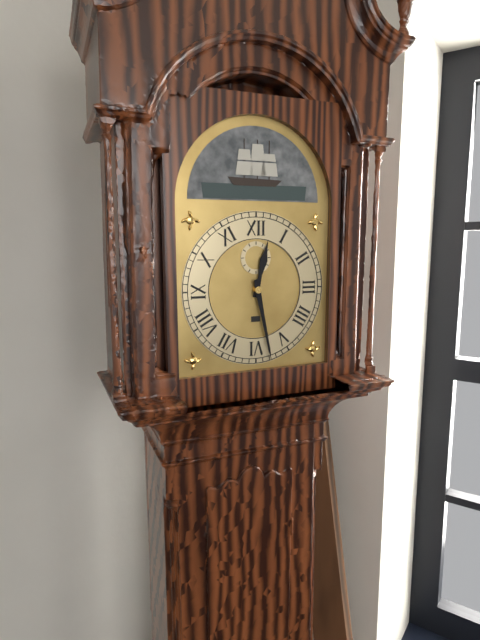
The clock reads h=12 m=28
